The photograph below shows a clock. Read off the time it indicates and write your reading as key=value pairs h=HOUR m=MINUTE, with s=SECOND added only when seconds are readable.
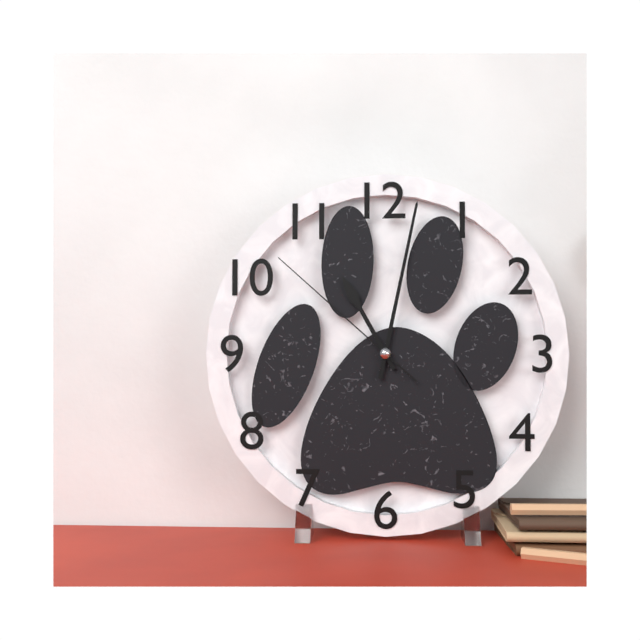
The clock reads h=11 m=2 s=52
